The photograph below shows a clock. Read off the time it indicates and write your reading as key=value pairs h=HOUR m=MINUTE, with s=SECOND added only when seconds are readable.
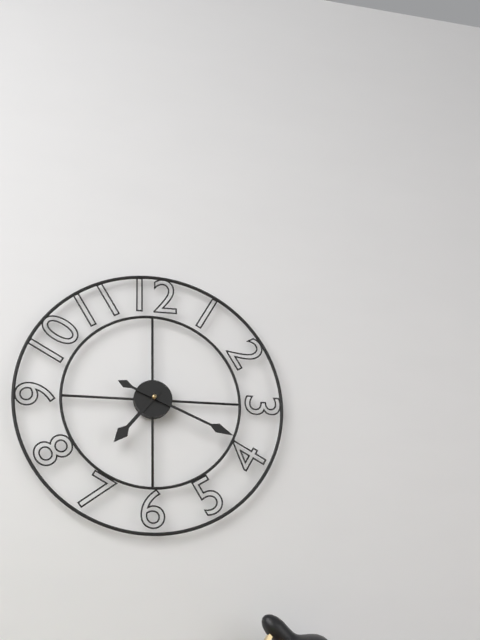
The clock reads h=7 m=19
